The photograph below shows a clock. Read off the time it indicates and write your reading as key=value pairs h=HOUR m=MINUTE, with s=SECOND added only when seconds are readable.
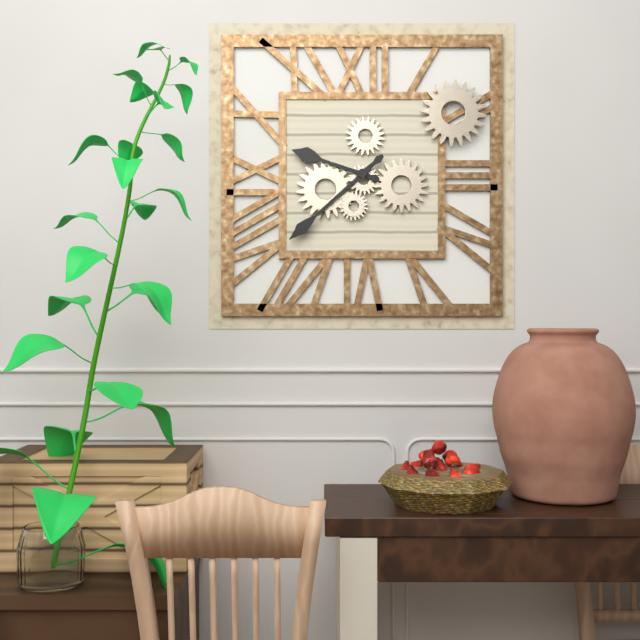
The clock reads h=9 m=38
